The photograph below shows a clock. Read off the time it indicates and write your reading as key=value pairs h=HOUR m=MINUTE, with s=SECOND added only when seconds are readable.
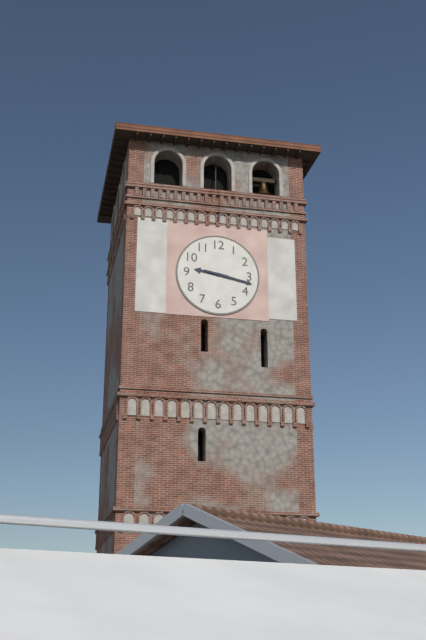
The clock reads h=9 m=17
